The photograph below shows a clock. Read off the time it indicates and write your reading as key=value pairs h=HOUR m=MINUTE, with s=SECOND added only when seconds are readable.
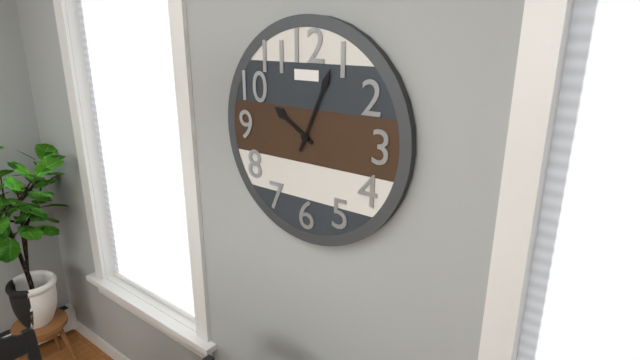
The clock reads h=10 m=4
